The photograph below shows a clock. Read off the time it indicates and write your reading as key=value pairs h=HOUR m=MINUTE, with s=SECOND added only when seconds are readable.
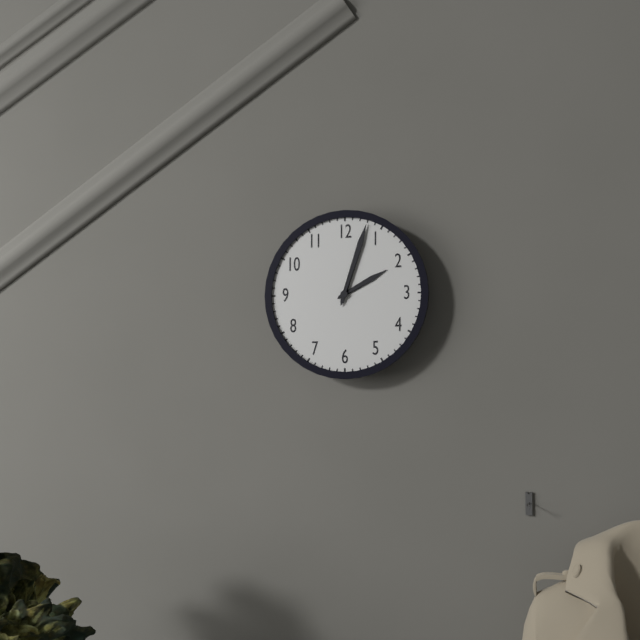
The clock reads h=2 m=3
